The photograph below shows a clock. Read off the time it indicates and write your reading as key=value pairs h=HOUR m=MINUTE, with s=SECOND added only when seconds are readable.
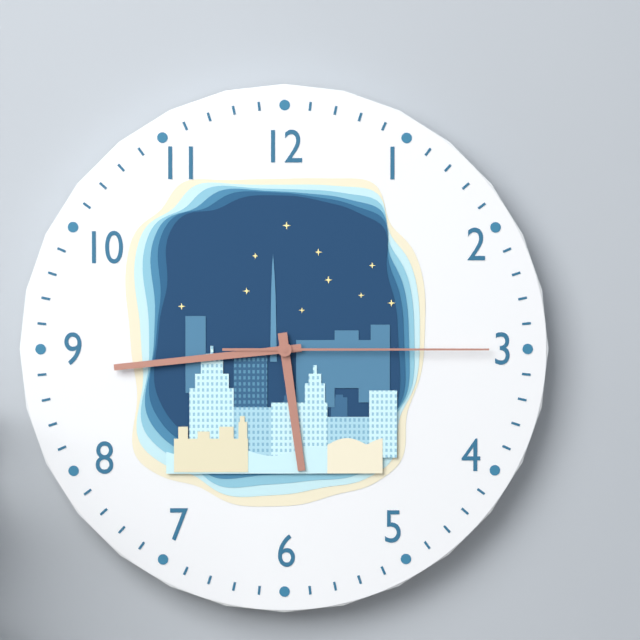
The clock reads h=5 m=44 s=15
